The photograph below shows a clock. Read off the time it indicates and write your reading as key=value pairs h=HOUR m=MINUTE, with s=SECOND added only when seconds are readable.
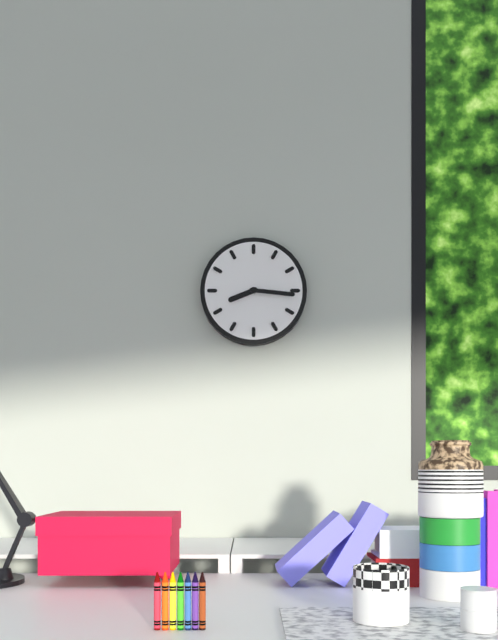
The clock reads h=8 m=16
